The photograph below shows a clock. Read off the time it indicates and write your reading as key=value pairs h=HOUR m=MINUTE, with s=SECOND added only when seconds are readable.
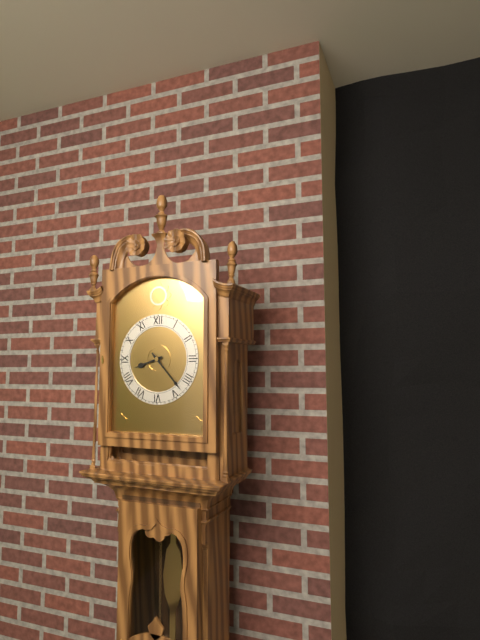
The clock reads h=8 m=23
